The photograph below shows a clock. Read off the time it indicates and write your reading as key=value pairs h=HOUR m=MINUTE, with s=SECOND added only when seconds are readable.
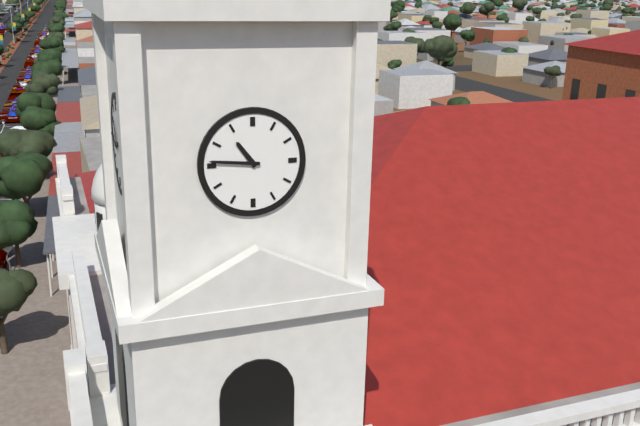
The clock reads h=10 m=46
